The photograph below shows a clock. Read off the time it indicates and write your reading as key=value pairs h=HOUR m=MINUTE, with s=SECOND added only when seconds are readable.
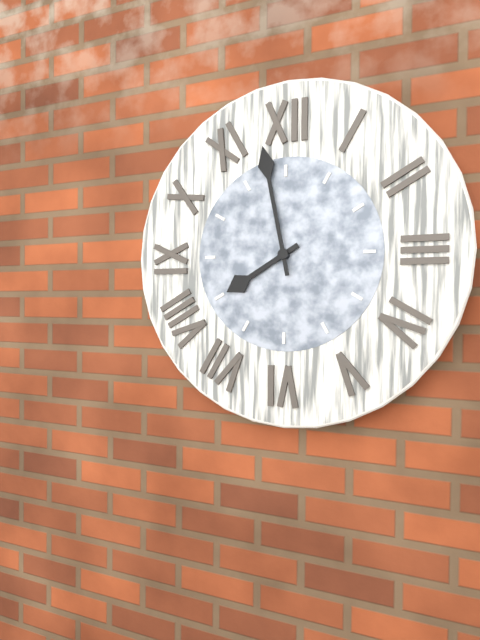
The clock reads h=7 m=58
